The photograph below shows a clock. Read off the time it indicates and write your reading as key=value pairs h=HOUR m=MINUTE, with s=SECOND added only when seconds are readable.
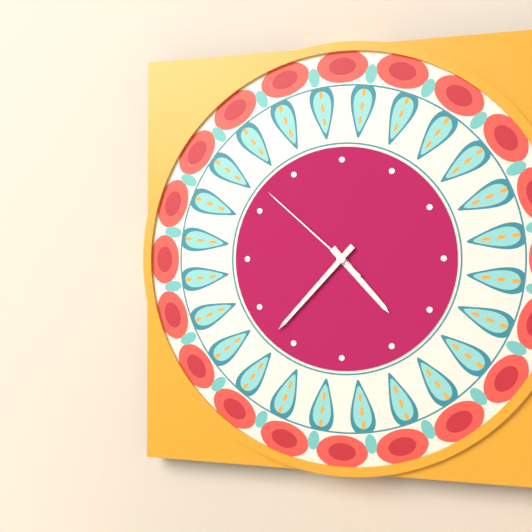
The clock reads h=4 m=37 s=52
